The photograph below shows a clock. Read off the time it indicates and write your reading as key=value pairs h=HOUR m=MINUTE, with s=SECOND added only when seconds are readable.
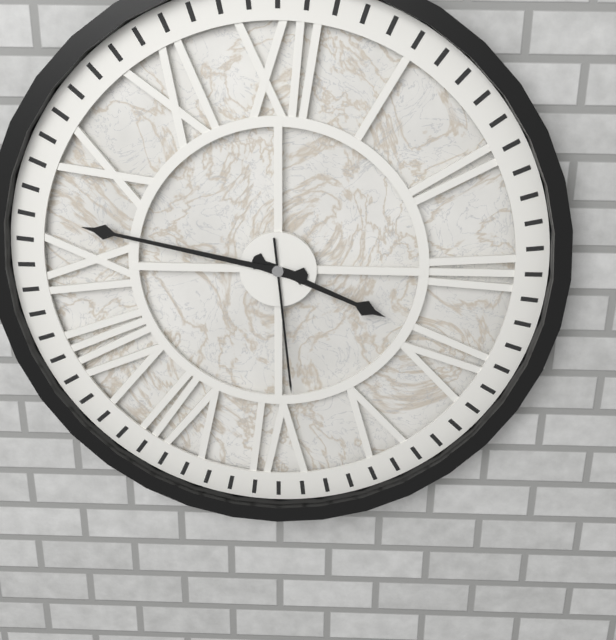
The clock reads h=3 m=47 s=29
